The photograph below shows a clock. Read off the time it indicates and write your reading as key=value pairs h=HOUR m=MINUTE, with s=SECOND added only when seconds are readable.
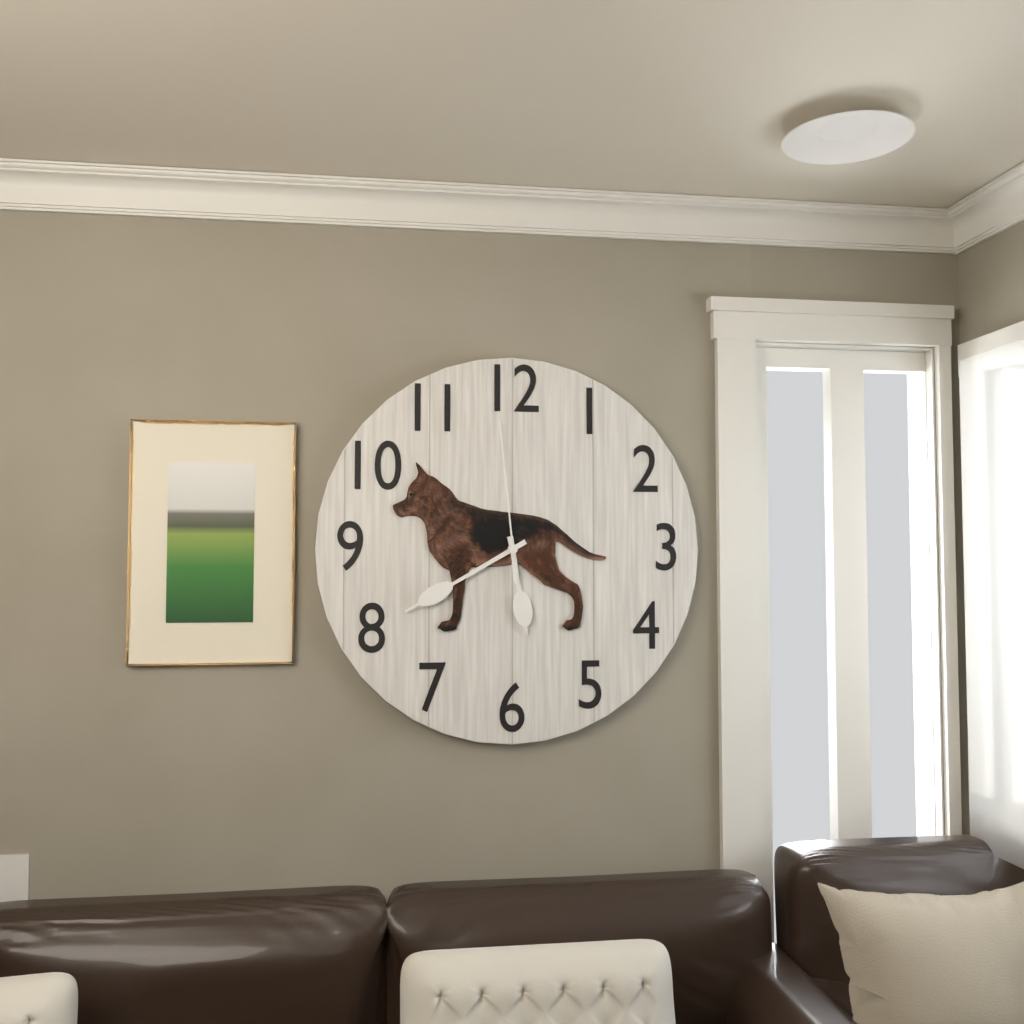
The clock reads h=5 m=40 s=59
